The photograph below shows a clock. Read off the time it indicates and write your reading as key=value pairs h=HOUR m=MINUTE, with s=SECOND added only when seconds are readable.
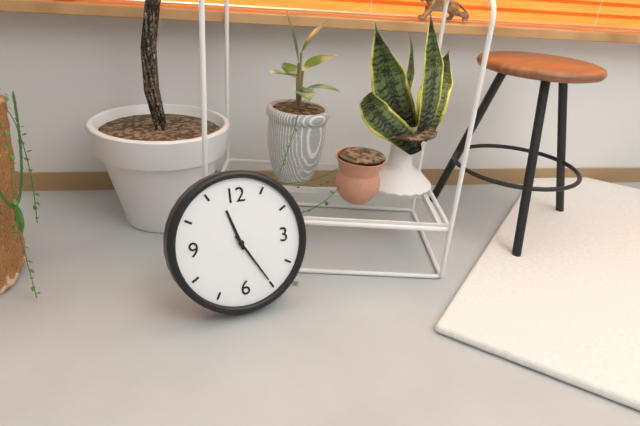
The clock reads h=11 m=25
